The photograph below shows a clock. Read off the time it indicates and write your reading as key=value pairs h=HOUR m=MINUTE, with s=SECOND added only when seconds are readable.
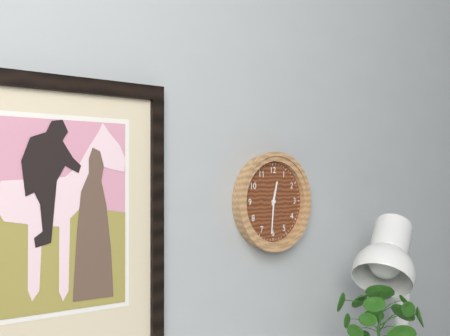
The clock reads h=12 m=31
